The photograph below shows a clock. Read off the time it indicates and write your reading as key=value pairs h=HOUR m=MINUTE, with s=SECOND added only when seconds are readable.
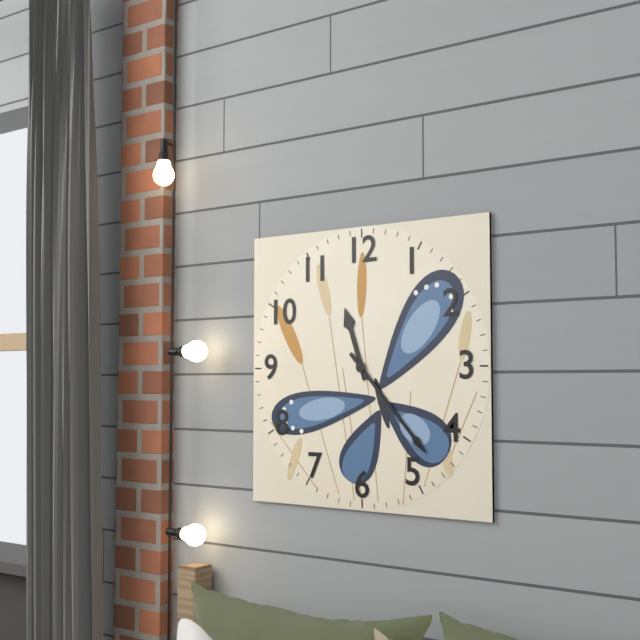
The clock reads h=11 m=23
